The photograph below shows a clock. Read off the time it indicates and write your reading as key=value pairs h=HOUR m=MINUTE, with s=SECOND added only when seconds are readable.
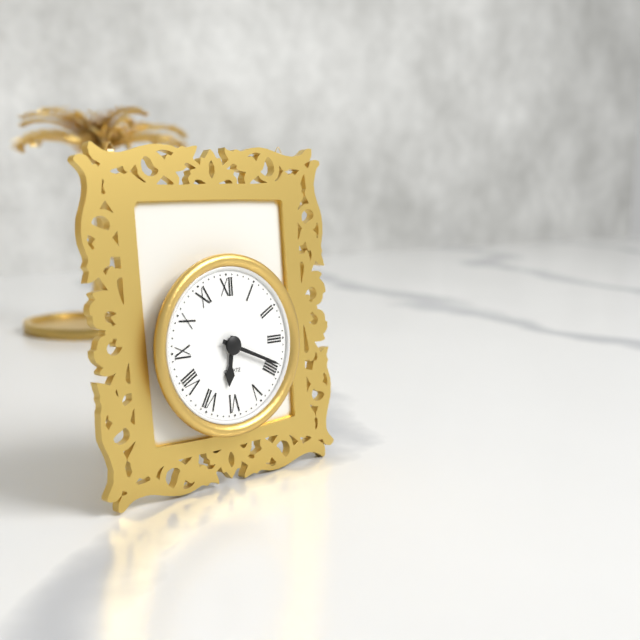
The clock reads h=6 m=19
